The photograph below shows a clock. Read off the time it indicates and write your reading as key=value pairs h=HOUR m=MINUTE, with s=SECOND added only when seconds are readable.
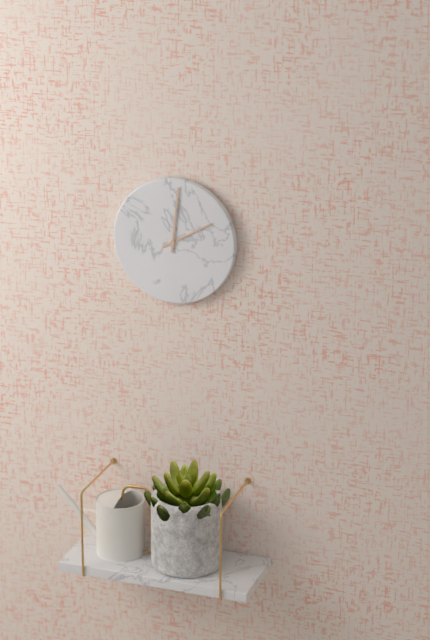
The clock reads h=2 m=1
